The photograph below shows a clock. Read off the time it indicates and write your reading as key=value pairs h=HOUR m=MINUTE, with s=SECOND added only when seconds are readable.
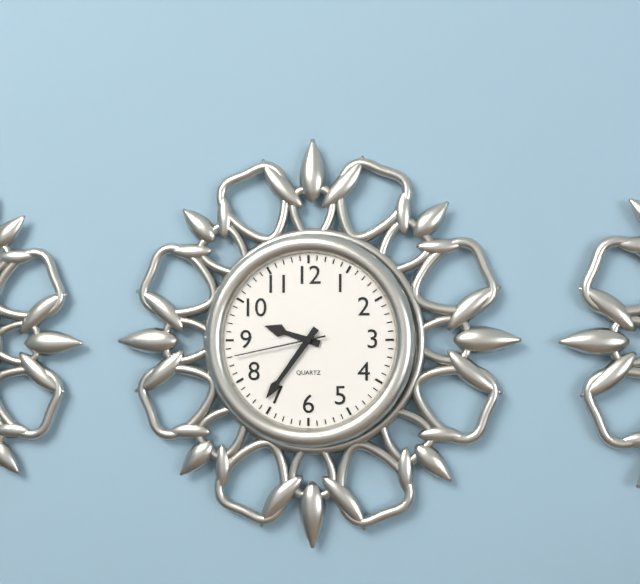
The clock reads h=9 m=36 s=43
